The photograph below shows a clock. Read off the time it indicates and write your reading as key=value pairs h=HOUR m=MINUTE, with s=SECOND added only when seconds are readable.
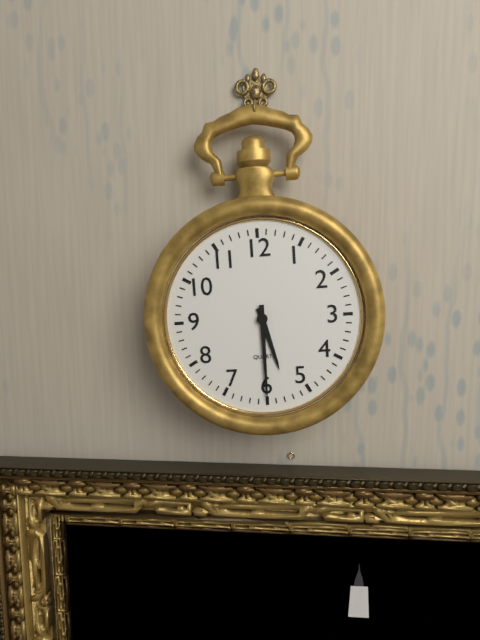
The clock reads h=5 m=30
